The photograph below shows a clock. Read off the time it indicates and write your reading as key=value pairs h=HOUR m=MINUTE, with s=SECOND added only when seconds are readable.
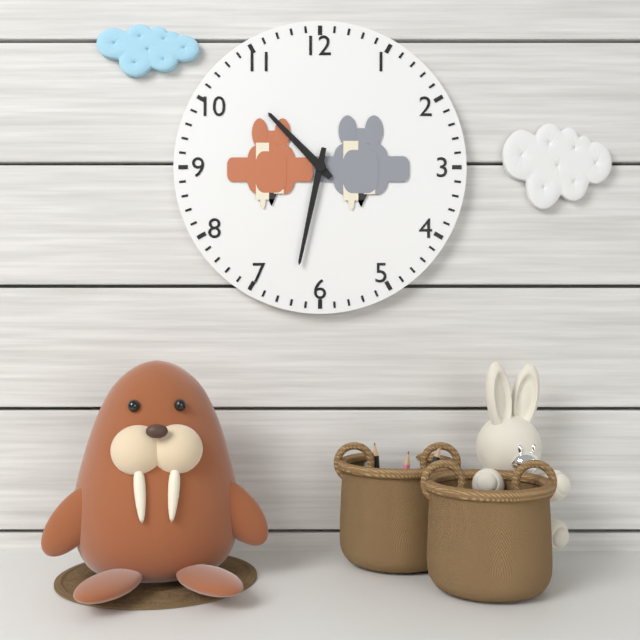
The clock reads h=10 m=32
